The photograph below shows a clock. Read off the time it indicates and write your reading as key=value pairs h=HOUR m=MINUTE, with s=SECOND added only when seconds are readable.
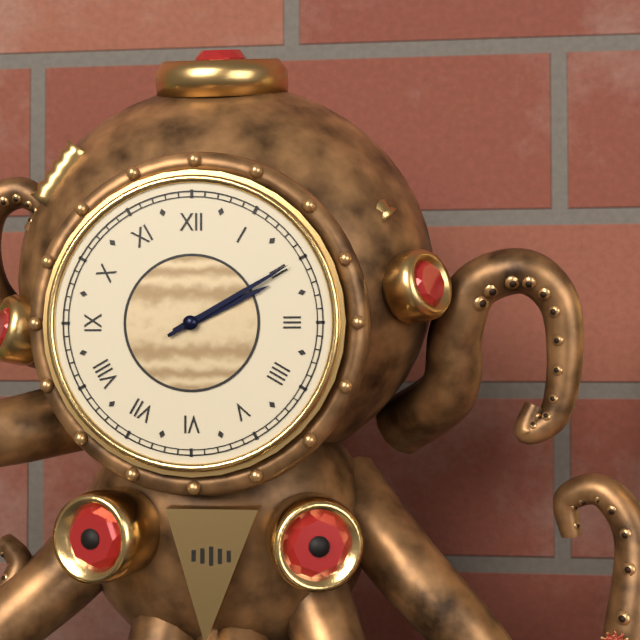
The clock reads h=2 m=10
